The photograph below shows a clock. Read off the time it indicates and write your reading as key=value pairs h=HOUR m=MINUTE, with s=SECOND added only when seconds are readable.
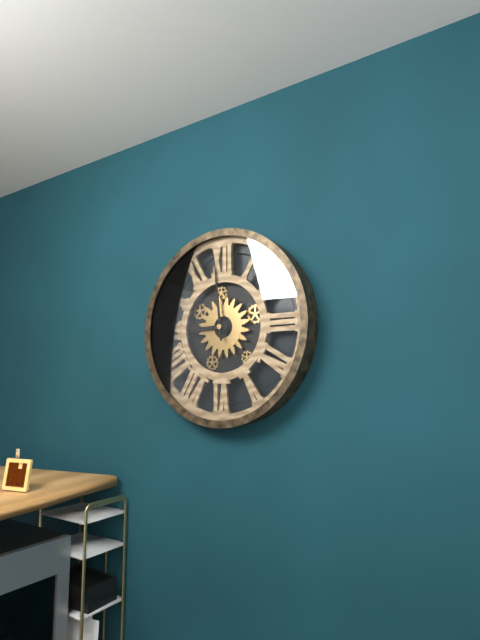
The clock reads h=8 m=59
